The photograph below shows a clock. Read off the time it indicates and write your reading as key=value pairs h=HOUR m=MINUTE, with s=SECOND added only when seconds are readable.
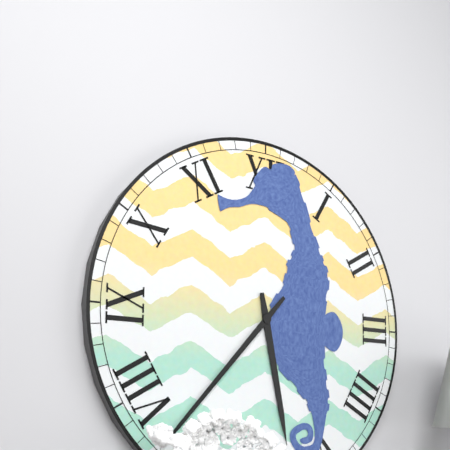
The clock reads h=5 m=37
